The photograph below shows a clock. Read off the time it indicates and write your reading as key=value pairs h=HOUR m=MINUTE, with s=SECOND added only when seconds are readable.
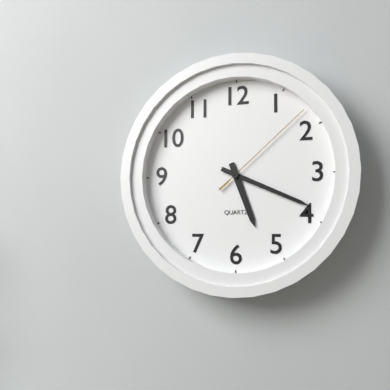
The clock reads h=5 m=19 s=8
